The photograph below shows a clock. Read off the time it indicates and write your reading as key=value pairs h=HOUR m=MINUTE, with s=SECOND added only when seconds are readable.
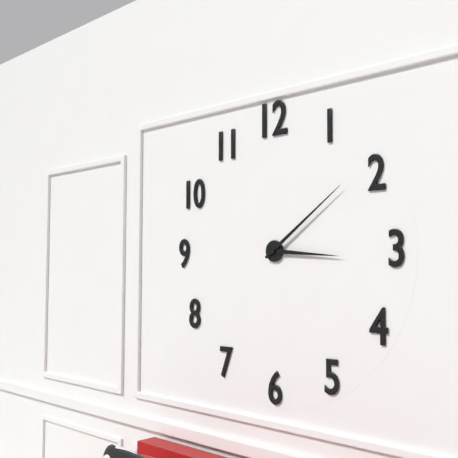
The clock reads h=3 m=9
